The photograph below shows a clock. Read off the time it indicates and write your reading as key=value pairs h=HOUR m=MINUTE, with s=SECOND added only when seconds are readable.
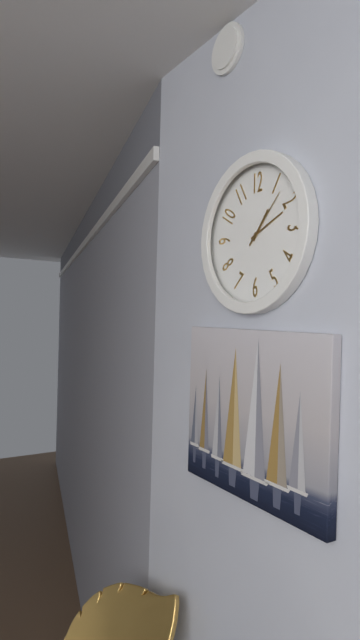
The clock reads h=1 m=11 s=7
